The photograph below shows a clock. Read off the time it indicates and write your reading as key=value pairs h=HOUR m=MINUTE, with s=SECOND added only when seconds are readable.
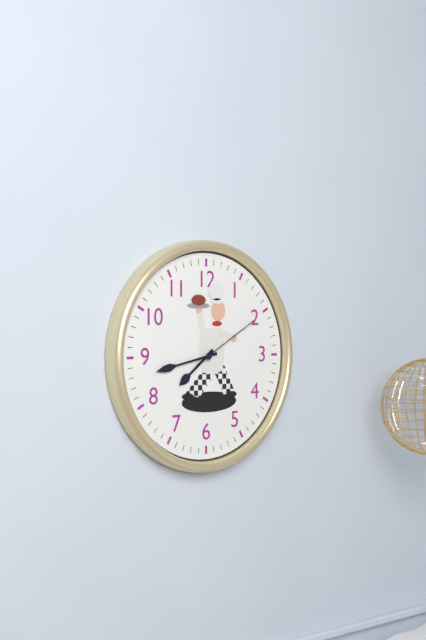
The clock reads h=7 m=43 s=10
